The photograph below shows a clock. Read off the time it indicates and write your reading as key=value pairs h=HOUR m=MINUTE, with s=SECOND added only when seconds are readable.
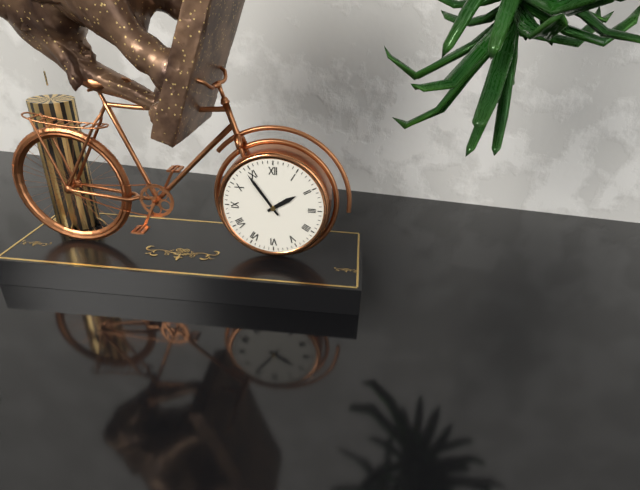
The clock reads h=1 m=54
